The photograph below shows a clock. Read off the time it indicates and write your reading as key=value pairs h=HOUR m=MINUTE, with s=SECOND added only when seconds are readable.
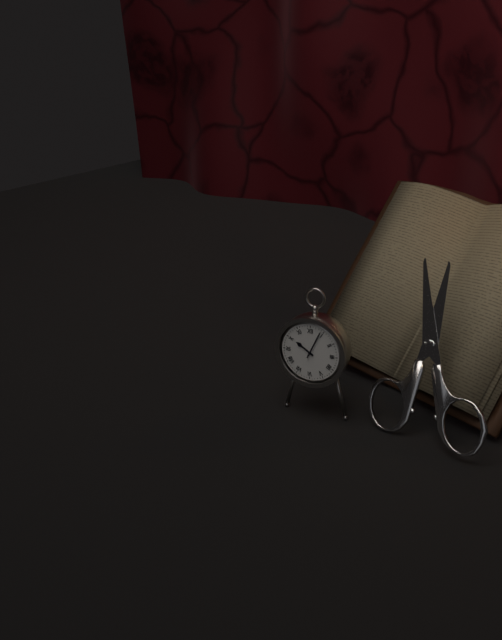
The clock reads h=10 m=4
